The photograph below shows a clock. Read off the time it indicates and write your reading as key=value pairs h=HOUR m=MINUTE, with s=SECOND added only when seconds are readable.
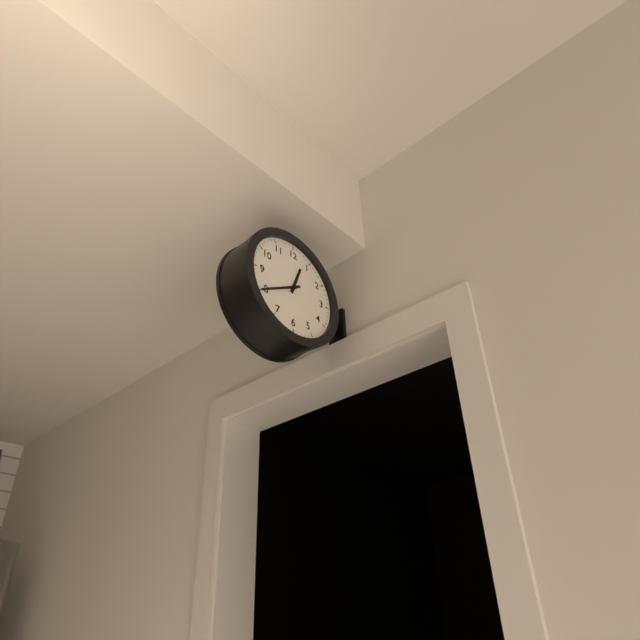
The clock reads h=12 m=40
